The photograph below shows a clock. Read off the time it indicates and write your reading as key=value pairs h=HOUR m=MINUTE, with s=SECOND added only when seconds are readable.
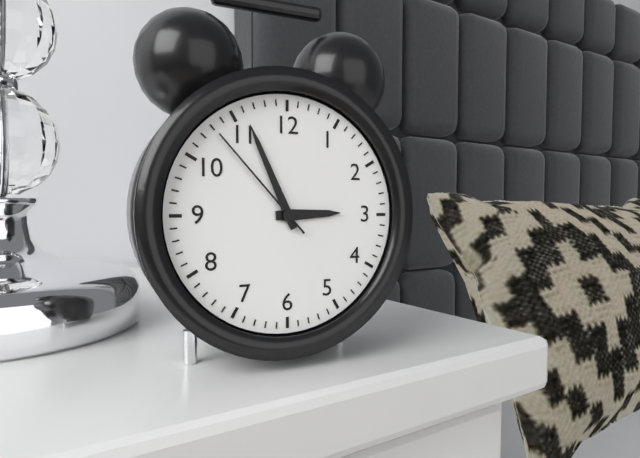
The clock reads h=2 m=56 s=53
